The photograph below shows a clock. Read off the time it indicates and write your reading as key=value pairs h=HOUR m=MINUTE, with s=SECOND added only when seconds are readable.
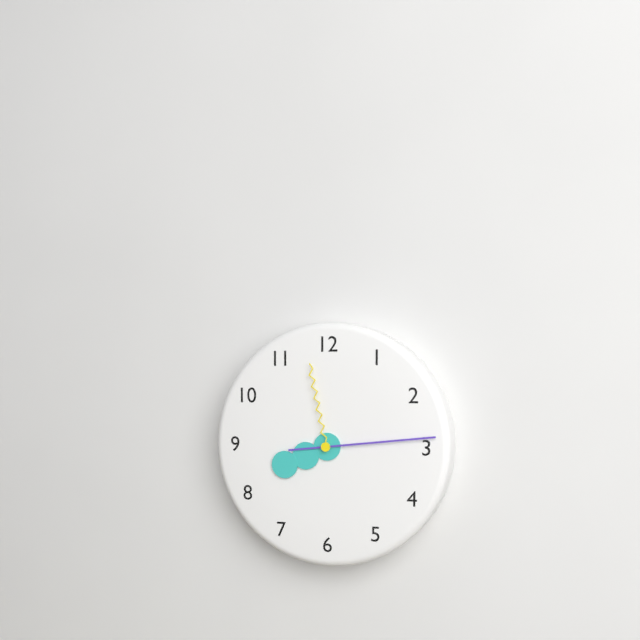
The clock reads h=8 m=14 s=58
